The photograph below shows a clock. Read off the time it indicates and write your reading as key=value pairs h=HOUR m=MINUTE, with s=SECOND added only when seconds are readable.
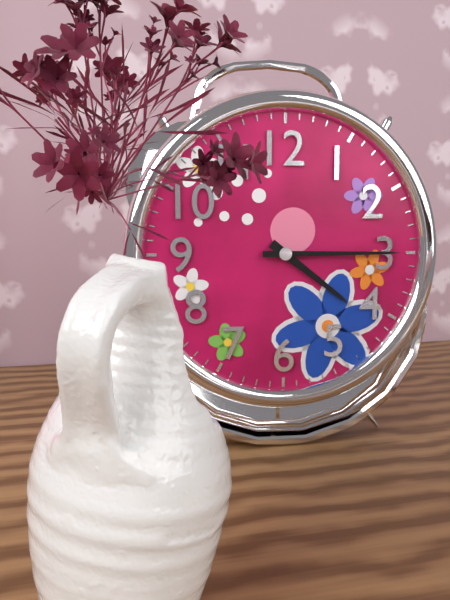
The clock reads h=4 m=15
